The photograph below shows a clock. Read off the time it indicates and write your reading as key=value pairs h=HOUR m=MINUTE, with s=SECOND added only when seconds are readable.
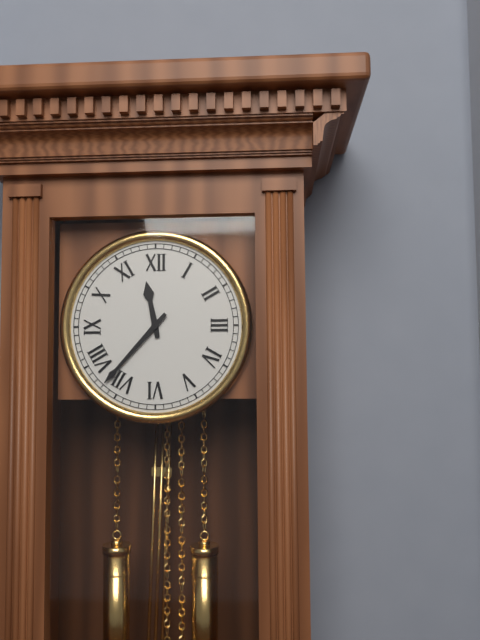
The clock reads h=11 m=37
